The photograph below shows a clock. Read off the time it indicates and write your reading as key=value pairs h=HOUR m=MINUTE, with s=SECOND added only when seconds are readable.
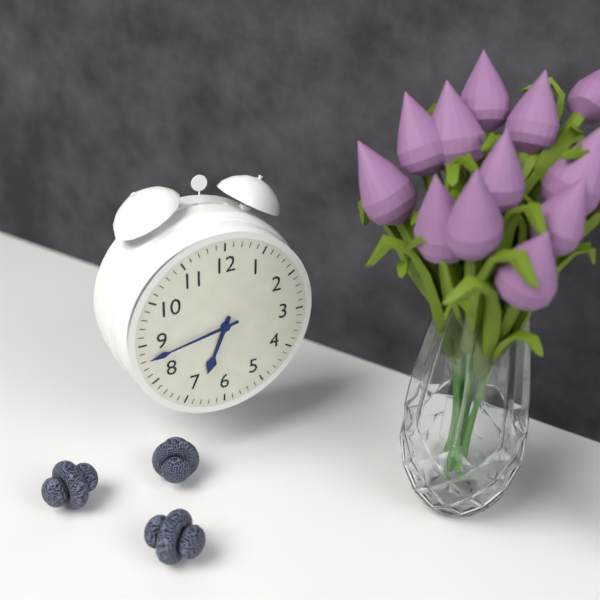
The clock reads h=6 m=43
